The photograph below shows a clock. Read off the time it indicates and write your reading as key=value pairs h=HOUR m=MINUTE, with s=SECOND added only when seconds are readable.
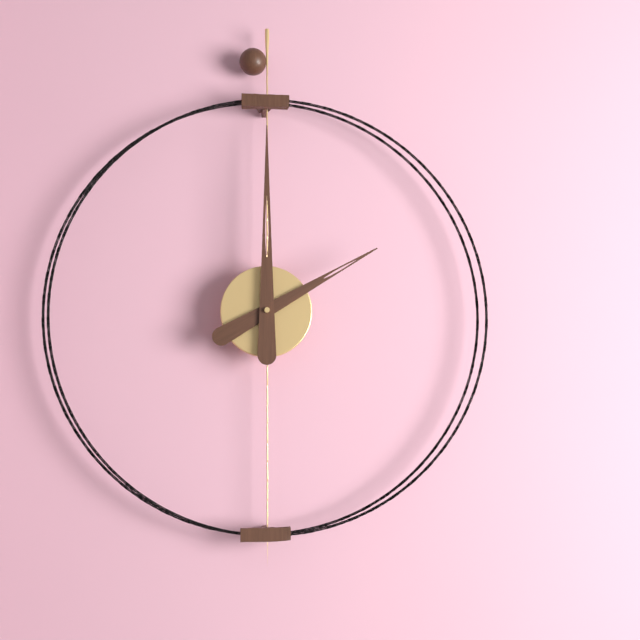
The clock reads h=2 m=0
